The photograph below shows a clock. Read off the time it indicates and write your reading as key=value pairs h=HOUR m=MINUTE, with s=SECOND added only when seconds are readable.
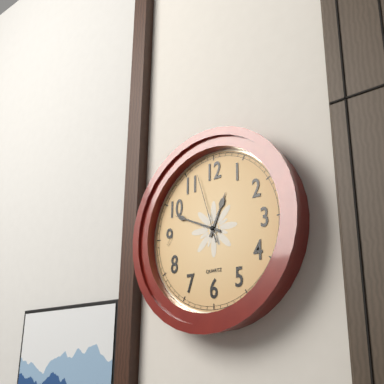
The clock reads h=12 m=49 s=57
